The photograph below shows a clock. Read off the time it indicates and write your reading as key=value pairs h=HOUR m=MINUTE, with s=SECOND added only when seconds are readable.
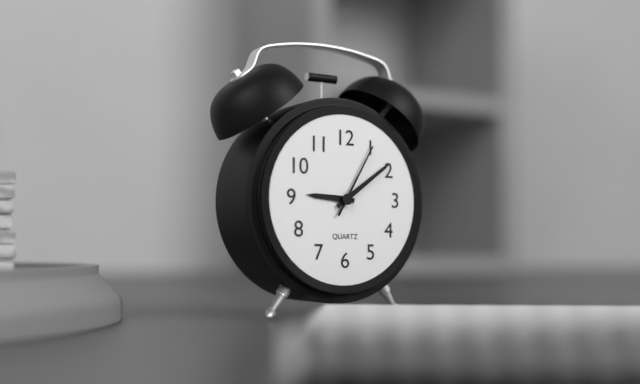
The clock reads h=9 m=9 s=5
